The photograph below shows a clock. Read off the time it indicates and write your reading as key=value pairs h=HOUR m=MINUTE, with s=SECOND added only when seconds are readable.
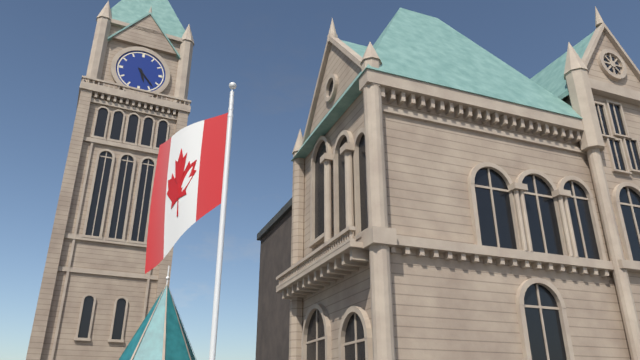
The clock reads h=5 m=23
